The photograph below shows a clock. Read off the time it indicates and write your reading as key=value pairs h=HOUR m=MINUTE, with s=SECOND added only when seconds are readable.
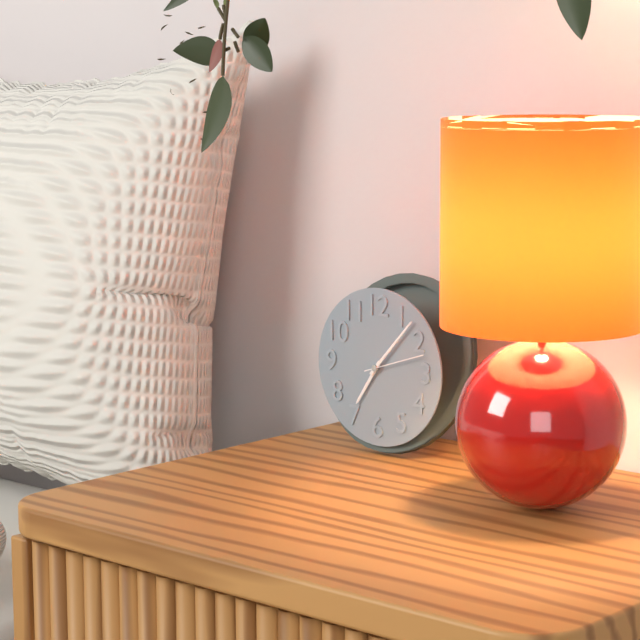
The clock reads h=7 m=7 s=12
